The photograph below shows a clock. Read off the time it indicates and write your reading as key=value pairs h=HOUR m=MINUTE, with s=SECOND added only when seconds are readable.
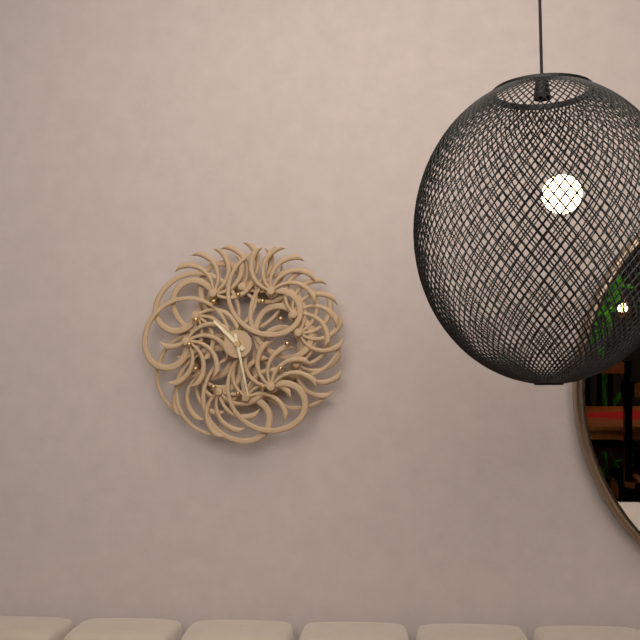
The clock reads h=10 m=28
